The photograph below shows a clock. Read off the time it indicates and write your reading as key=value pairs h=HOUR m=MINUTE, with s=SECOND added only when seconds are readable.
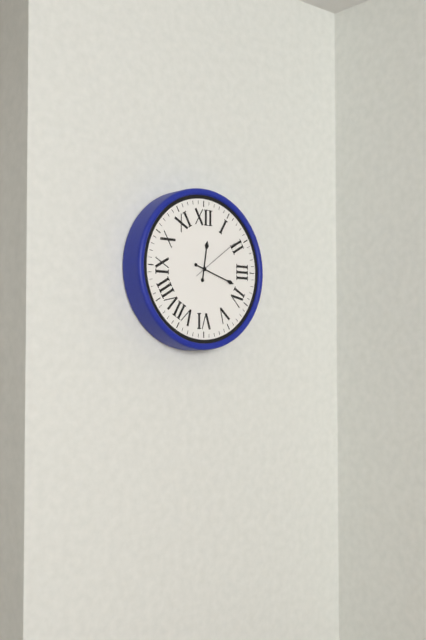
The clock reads h=12 m=18 s=9
